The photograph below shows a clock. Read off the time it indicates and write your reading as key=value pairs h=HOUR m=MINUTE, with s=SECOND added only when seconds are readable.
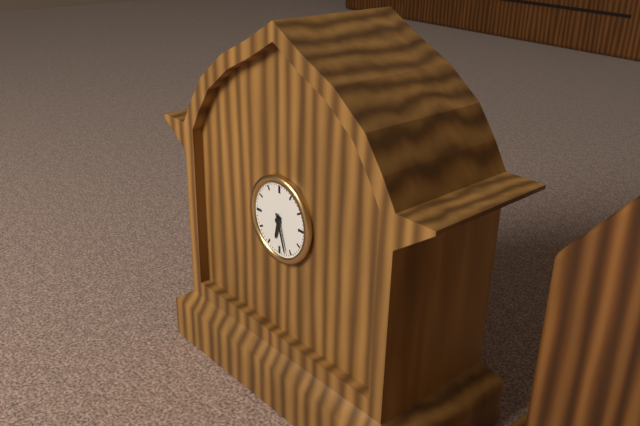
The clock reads h=6 m=27
